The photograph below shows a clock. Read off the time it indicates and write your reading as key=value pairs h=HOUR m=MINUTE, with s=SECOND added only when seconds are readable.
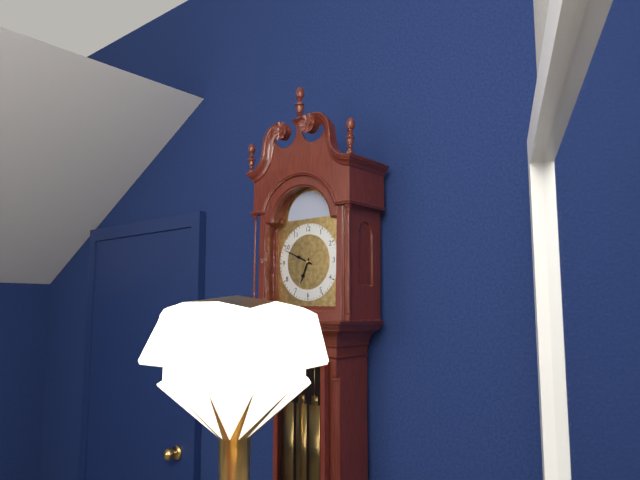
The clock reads h=6 m=49
